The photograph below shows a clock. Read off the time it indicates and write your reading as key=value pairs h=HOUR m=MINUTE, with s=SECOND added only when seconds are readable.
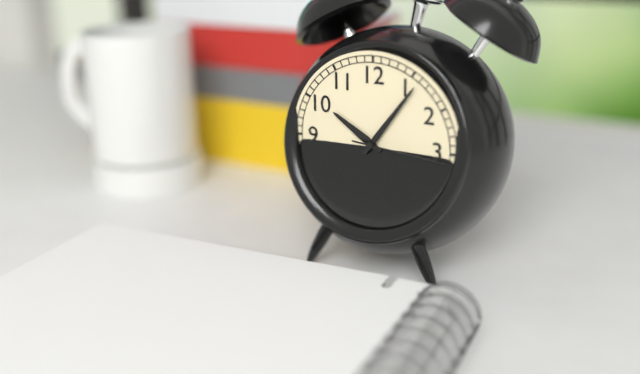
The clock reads h=10 m=6 s=16
